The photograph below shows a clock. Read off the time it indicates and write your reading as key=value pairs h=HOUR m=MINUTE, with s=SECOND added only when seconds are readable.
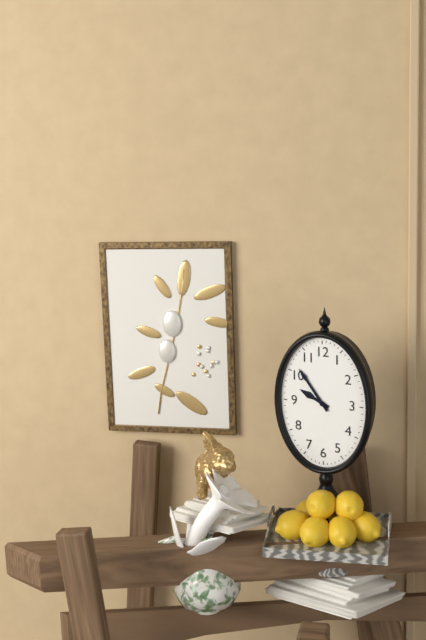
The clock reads h=9 m=54
